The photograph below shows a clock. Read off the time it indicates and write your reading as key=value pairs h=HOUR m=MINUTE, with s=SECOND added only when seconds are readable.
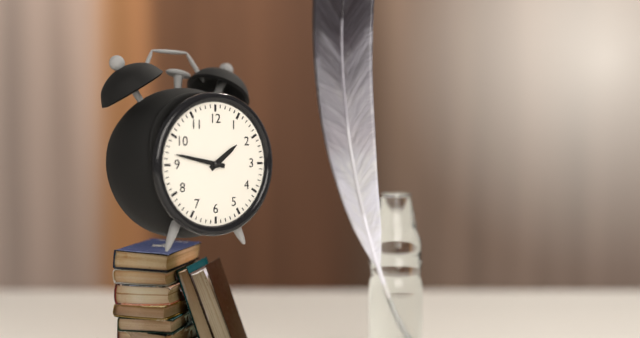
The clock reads h=1 m=47
